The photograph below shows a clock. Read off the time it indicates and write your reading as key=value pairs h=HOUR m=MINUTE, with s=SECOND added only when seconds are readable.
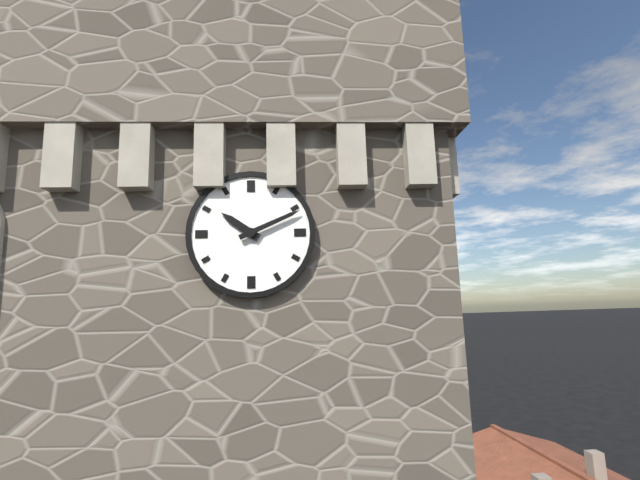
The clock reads h=10 m=11
